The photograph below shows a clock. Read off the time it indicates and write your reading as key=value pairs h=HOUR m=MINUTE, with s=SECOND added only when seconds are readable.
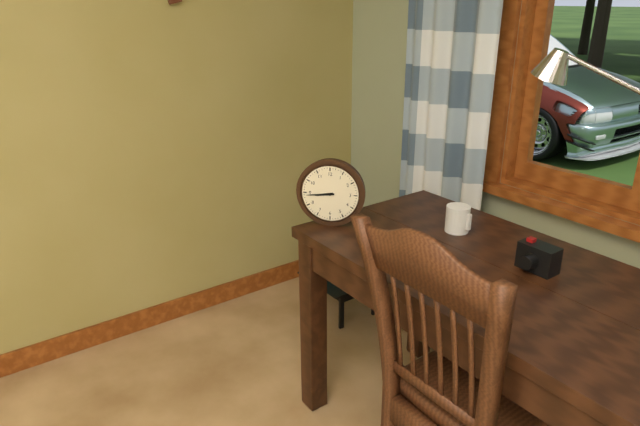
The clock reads h=8 m=44
